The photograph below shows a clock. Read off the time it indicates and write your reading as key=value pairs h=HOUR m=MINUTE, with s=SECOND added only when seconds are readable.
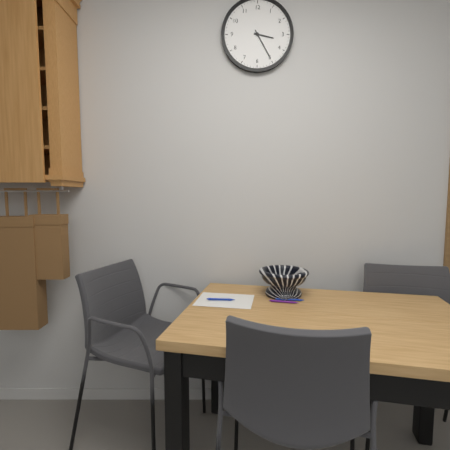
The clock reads h=3 m=25
